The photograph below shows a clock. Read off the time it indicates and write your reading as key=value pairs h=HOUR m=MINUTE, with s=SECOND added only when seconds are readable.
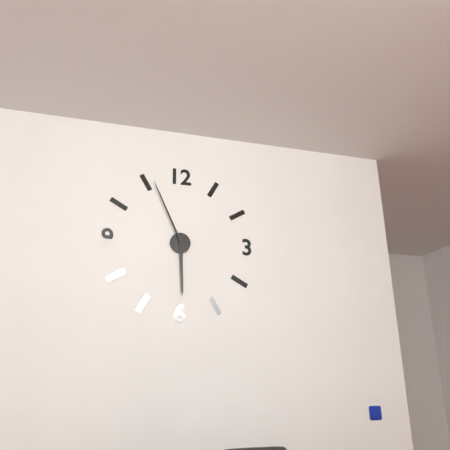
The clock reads h=5 m=56
